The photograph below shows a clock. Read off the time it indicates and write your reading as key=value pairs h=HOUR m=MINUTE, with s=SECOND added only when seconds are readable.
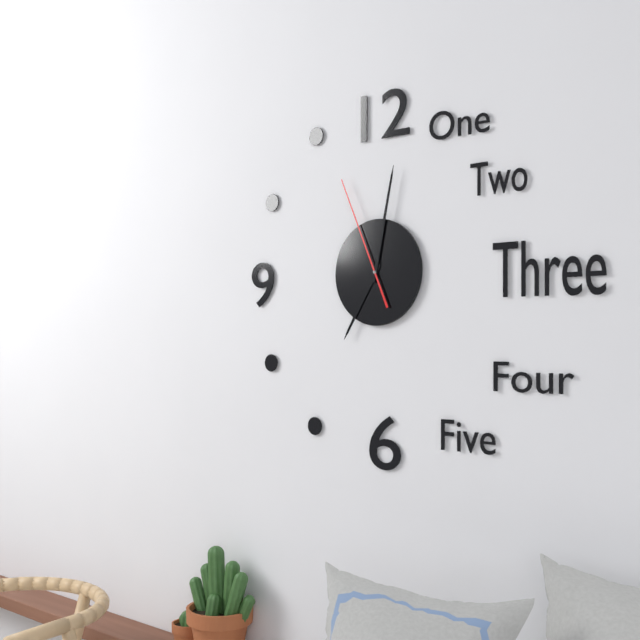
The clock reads h=7 m=2 s=56
